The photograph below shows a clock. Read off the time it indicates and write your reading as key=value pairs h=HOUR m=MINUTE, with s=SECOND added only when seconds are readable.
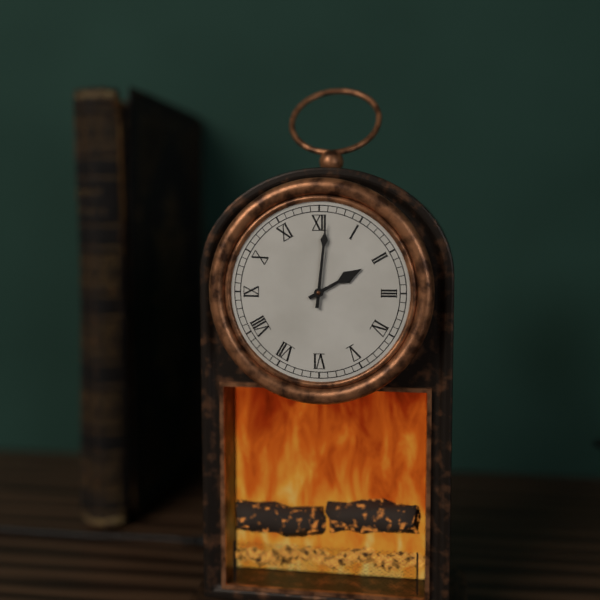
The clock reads h=2 m=1
